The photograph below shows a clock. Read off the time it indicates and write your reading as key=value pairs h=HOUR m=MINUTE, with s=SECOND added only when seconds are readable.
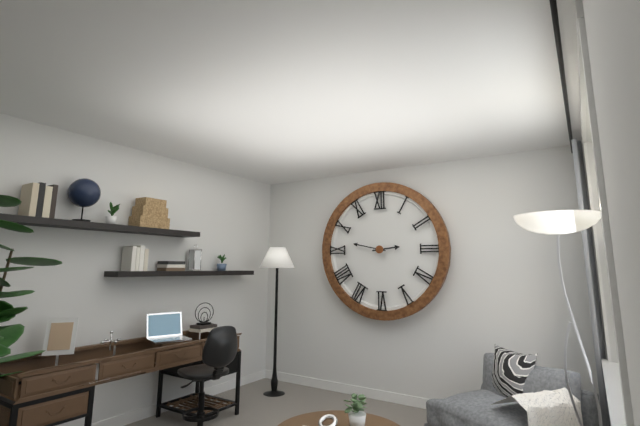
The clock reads h=2 m=47
